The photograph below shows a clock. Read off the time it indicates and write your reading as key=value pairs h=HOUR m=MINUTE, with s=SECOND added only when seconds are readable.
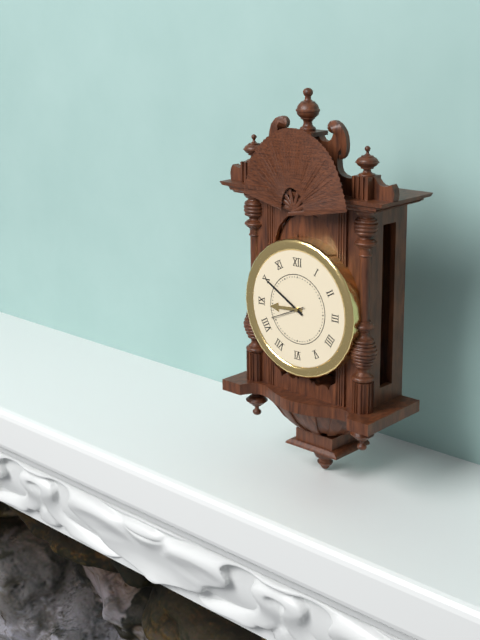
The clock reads h=8 m=50
